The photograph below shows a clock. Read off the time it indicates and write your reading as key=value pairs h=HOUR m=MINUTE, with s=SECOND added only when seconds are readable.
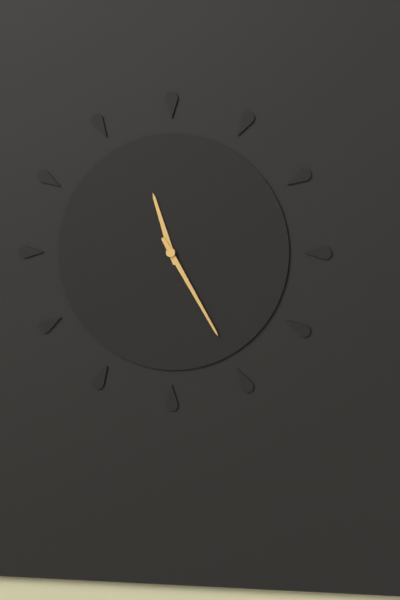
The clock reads h=11 m=25
